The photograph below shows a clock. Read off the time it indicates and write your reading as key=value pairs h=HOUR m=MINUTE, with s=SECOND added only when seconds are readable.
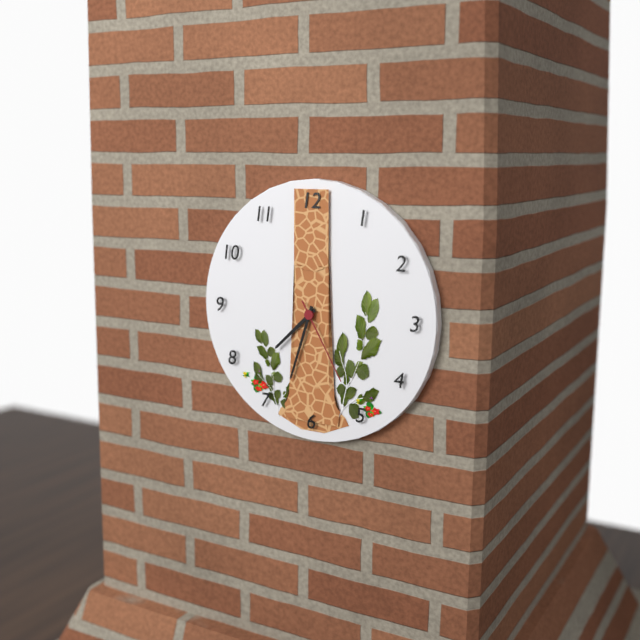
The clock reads h=7 m=33 s=25
